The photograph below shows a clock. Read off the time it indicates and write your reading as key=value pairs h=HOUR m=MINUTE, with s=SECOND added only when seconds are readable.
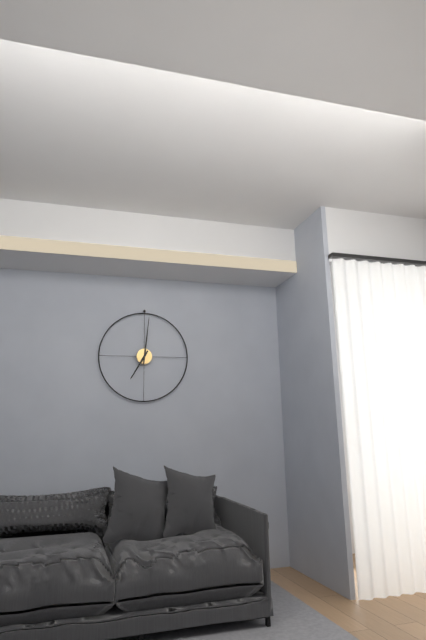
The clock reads h=7 m=1
